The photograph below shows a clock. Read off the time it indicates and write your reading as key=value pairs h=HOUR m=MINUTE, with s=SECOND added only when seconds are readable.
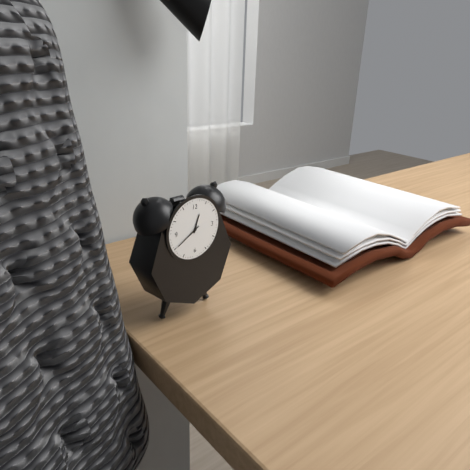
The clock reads h=12 m=40
